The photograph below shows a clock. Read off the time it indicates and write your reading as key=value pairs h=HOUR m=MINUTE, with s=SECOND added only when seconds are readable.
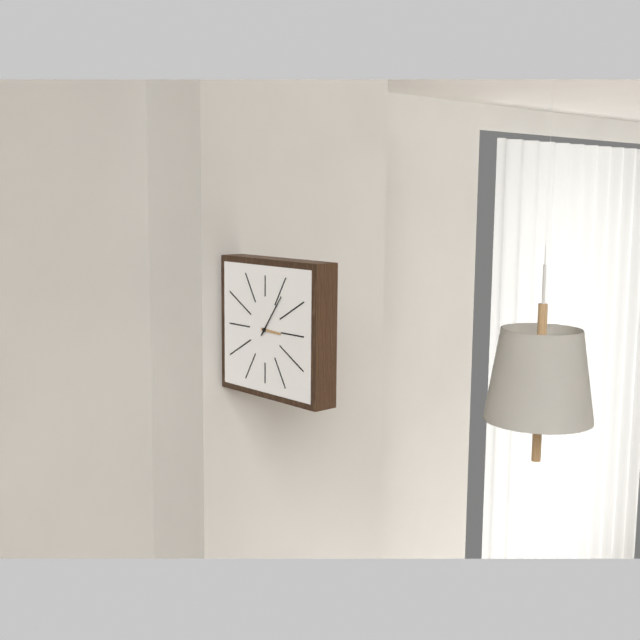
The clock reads h=3 m=6
